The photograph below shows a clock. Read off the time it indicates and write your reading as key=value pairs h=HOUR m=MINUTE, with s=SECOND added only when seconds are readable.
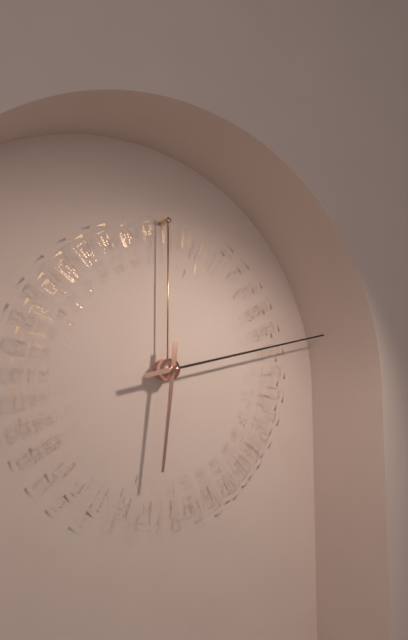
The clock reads h=6 m=13
